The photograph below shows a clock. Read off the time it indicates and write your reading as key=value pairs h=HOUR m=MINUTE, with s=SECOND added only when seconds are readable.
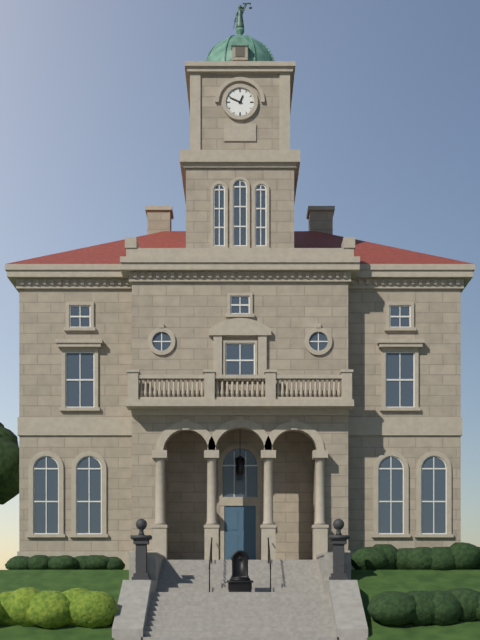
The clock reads h=12 m=49
